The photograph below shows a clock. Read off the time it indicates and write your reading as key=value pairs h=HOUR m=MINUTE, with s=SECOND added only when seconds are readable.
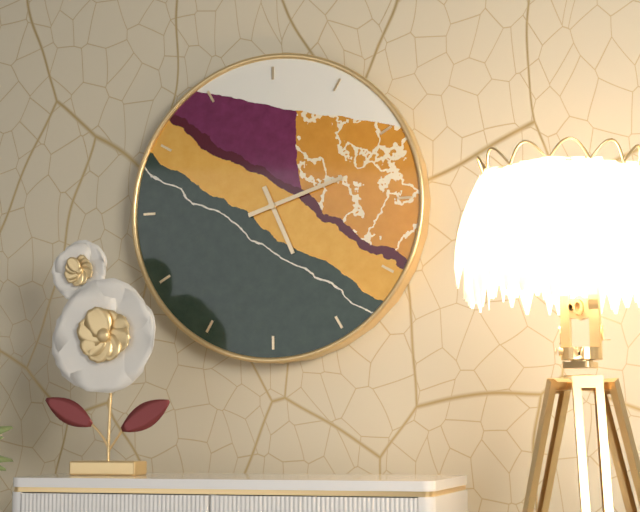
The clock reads h=5 m=12
